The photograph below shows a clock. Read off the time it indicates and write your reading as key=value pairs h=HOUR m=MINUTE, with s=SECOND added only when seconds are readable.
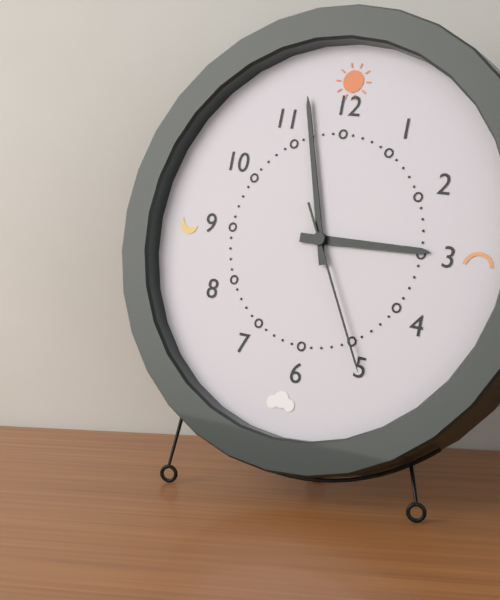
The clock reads h=2 m=57 s=25
